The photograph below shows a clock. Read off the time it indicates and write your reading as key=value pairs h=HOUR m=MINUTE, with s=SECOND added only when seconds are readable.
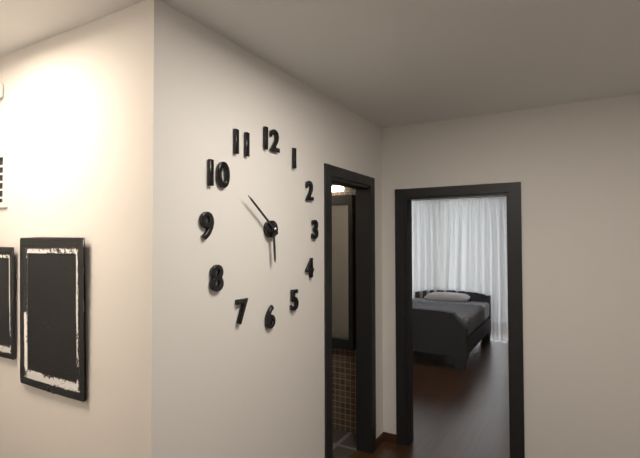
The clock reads h=5 m=51
